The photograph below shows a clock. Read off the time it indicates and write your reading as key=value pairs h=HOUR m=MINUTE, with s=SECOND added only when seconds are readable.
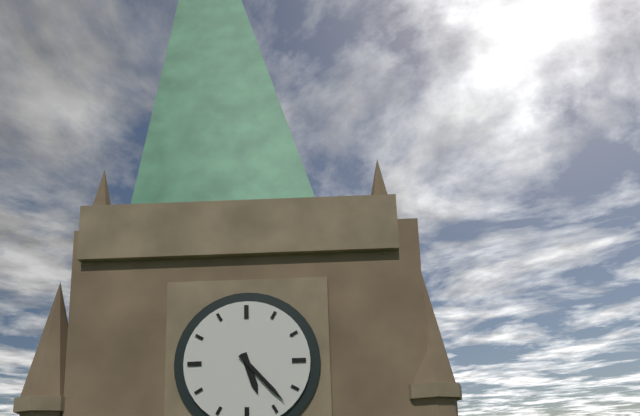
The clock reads h=5 m=23
